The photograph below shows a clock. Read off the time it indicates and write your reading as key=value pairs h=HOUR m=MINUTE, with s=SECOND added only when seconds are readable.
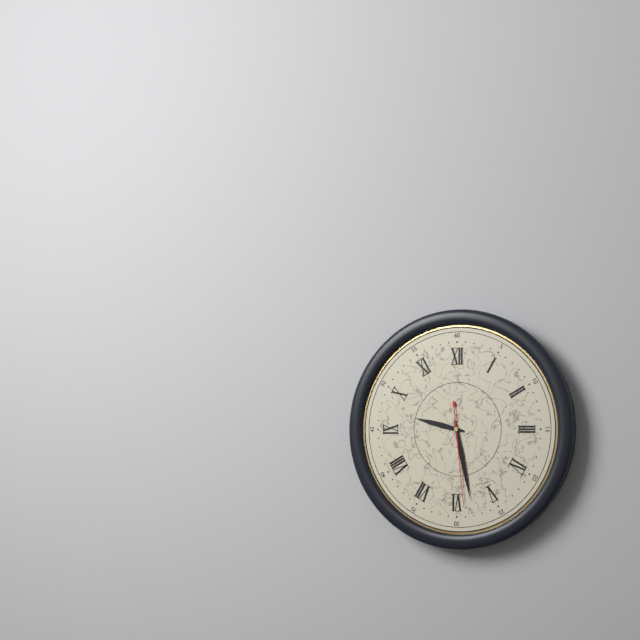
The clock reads h=9 m=28 s=29
